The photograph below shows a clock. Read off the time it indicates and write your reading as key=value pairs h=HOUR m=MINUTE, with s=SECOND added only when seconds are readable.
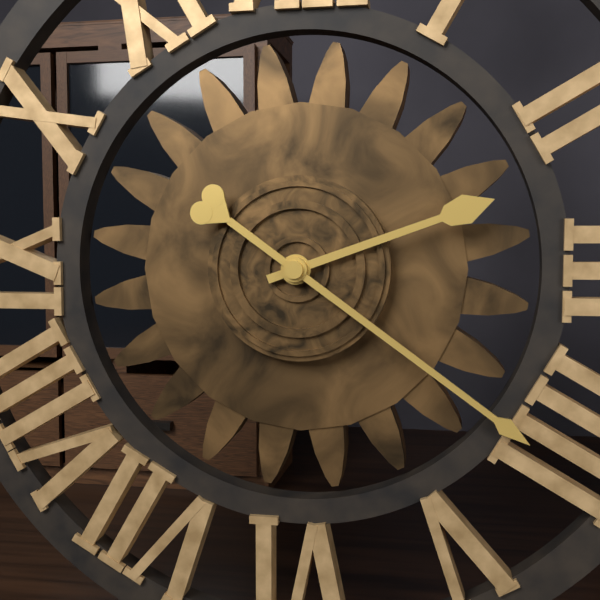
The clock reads h=2 m=21
